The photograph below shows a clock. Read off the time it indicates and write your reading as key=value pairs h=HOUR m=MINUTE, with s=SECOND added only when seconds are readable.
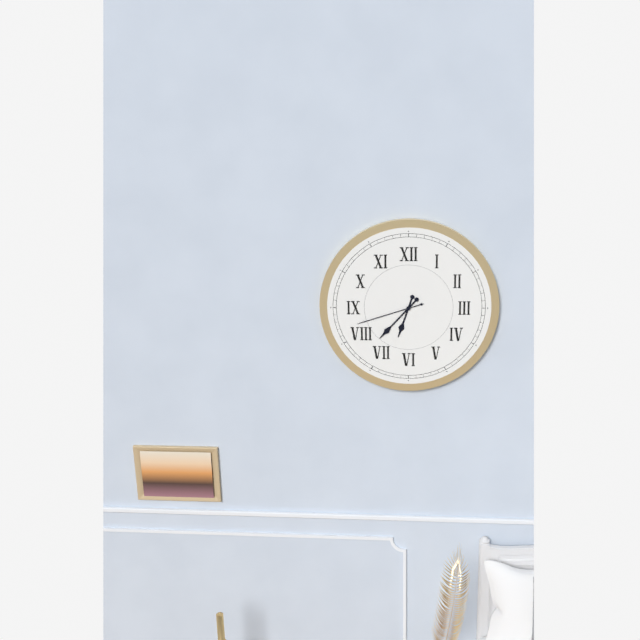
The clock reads h=6 m=37 s=42
